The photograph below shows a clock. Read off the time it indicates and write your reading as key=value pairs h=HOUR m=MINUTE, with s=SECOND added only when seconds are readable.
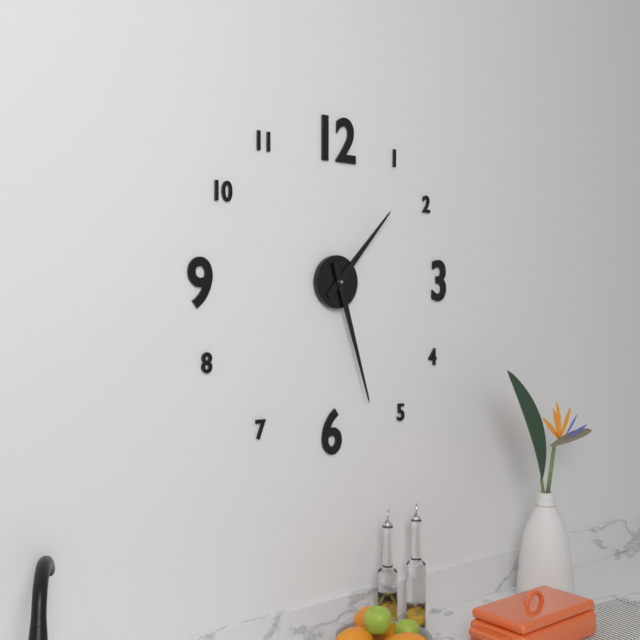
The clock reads h=1 m=27
